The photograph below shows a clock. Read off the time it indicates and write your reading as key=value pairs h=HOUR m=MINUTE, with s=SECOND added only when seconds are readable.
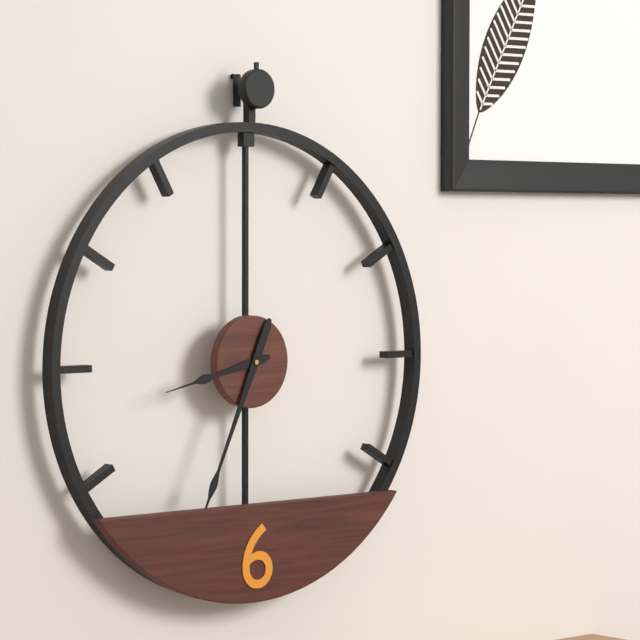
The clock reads h=8 m=34
